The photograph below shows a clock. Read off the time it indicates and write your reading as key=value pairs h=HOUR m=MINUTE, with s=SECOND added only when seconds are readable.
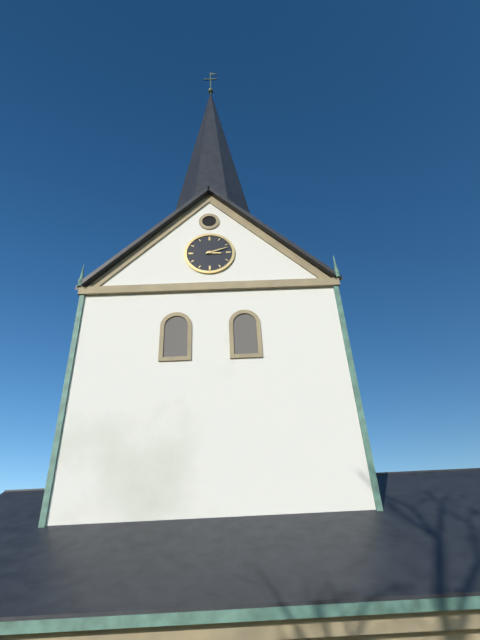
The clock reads h=3 m=12
